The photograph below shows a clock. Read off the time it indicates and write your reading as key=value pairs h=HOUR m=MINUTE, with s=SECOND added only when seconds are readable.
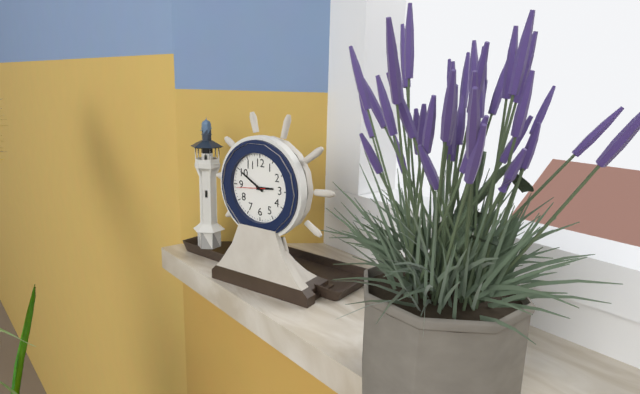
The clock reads h=2 m=50
